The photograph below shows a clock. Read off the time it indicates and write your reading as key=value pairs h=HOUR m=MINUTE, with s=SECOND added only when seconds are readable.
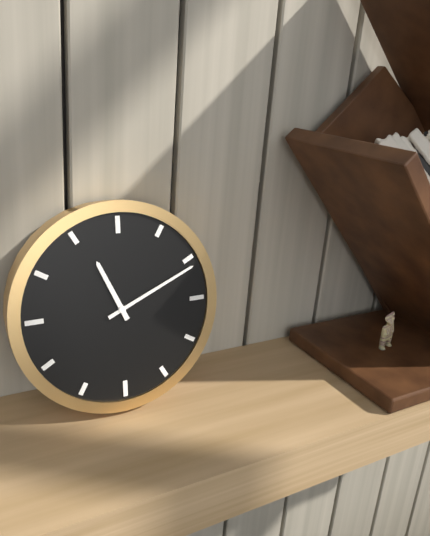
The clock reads h=11 m=11
